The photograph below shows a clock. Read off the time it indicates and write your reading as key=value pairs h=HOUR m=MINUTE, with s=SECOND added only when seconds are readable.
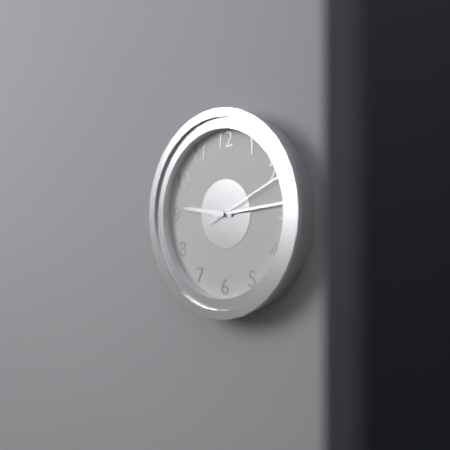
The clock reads h=9 m=14 s=11
